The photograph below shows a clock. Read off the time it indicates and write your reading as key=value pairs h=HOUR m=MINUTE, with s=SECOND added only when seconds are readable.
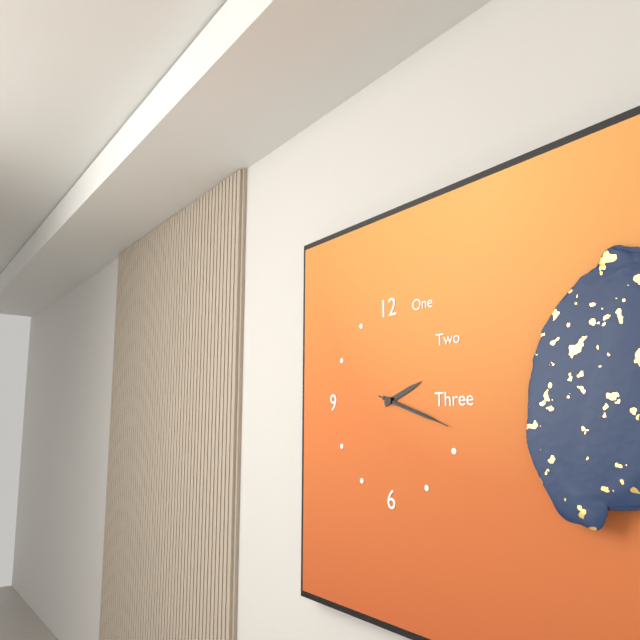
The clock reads h=2 m=18 s=18
